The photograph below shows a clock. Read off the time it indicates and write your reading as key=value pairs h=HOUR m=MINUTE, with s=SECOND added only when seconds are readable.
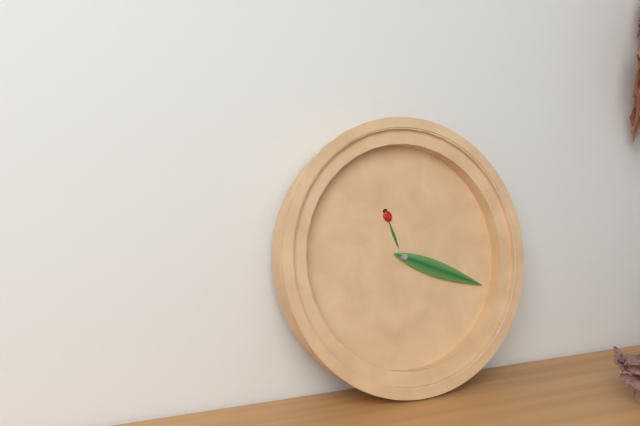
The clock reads h=11 m=18
